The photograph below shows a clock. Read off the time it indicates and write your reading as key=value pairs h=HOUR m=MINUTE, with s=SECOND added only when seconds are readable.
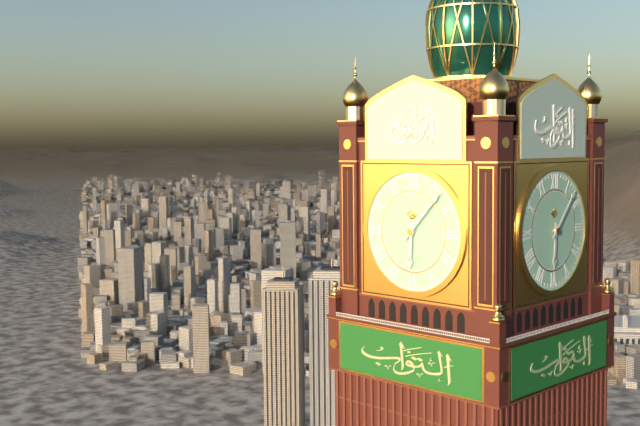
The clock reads h=6 m=7
